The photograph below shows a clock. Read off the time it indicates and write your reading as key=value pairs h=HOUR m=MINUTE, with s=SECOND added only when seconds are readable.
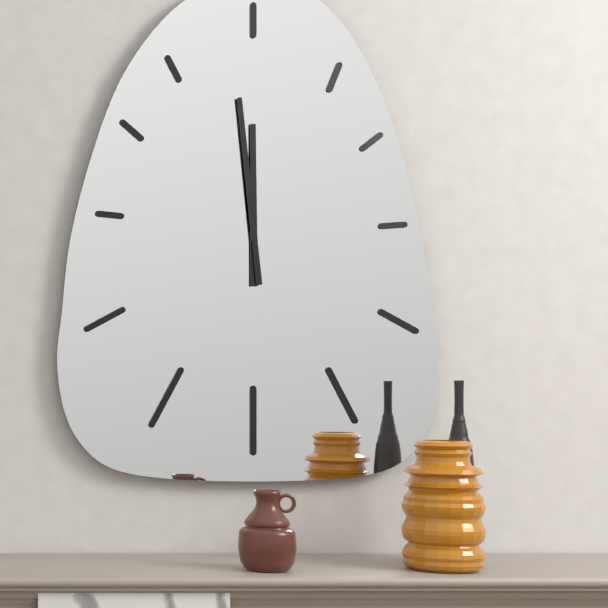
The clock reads h=11 m=59
